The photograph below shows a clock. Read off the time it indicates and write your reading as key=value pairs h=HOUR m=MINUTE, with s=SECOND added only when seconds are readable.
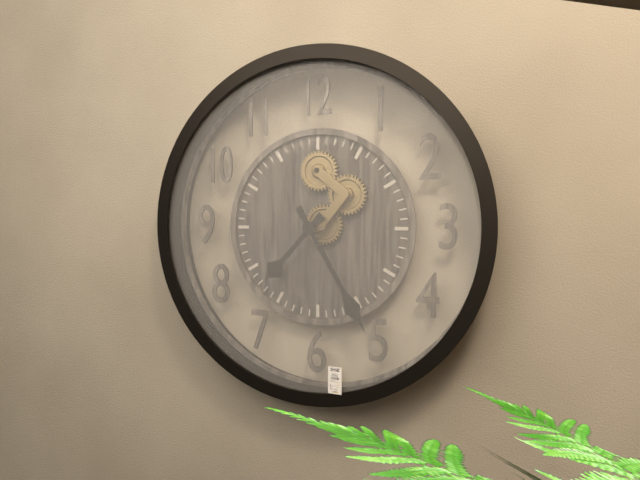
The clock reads h=7 m=25
